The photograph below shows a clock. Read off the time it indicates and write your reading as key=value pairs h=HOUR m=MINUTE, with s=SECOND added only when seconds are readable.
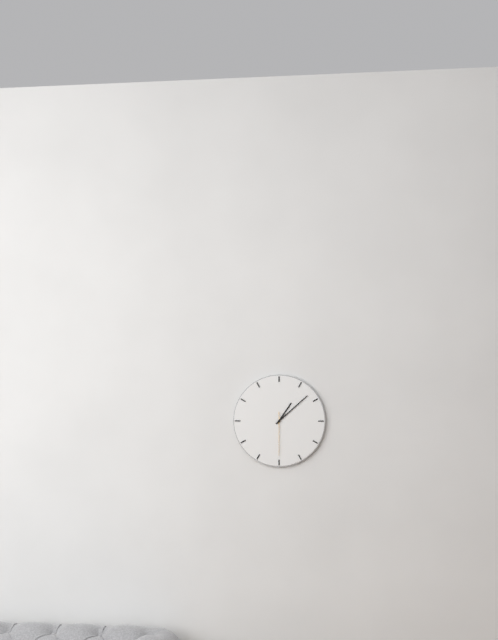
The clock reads h=1 m=8
